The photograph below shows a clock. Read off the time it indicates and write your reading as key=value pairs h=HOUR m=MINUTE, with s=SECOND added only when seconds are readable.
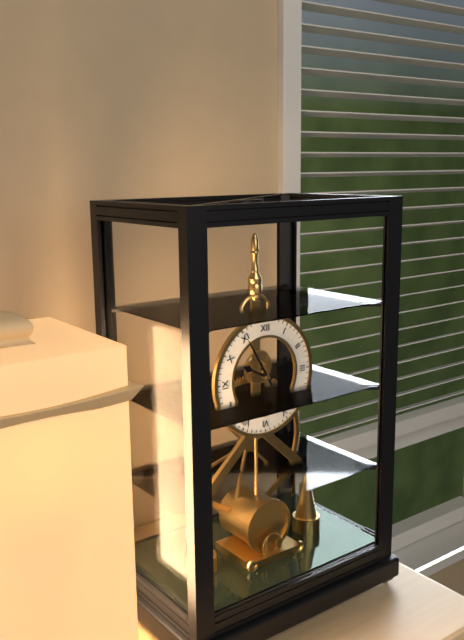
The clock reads h=9 m=55
